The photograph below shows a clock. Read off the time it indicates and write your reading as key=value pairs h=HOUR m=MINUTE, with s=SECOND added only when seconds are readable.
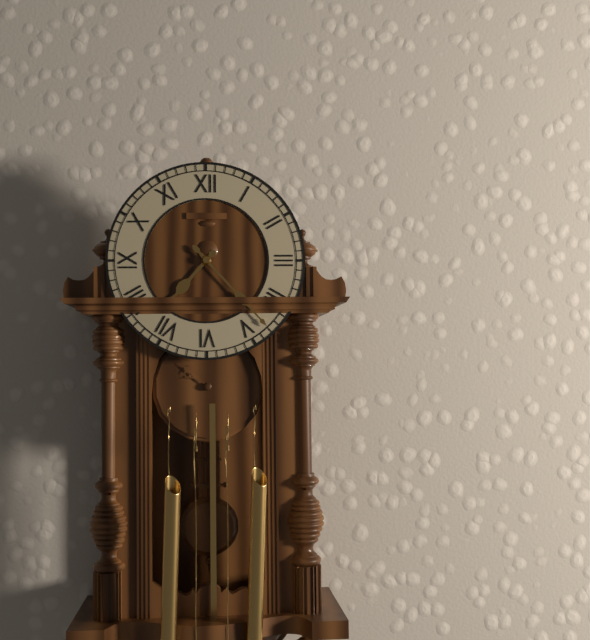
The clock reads h=7 m=23
